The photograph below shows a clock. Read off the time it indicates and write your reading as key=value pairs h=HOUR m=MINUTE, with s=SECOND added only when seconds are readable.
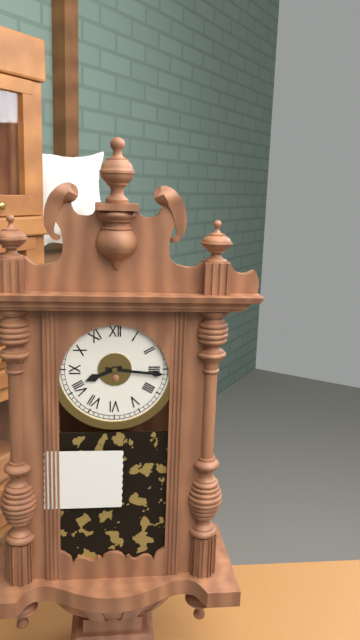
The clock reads h=8 m=16
